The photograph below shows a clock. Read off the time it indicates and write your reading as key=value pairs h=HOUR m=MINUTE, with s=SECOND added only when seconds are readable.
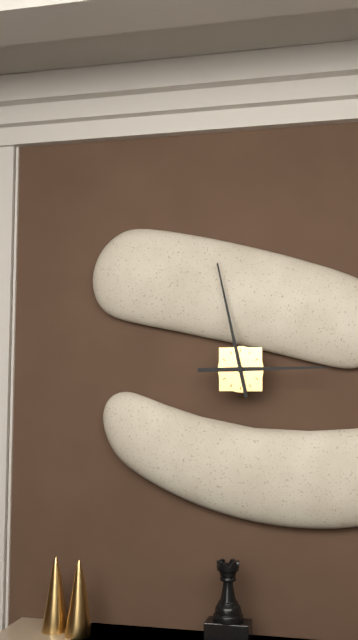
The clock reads h=2 m=58
